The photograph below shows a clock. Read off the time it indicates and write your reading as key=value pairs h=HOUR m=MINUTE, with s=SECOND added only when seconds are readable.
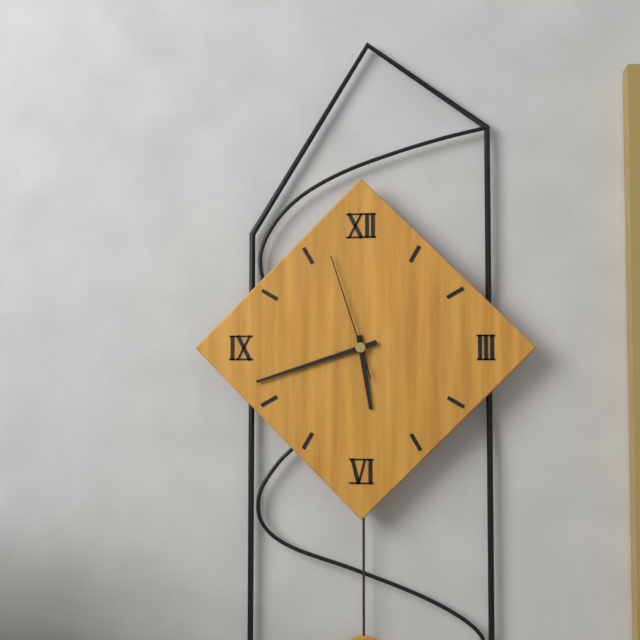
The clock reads h=5 m=42 s=57
